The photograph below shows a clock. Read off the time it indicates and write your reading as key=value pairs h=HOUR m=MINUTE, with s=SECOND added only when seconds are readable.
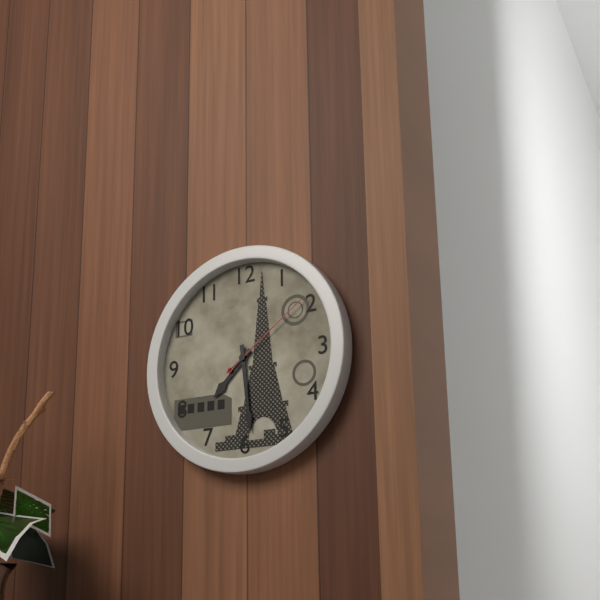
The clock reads h=7 m=29 s=9
